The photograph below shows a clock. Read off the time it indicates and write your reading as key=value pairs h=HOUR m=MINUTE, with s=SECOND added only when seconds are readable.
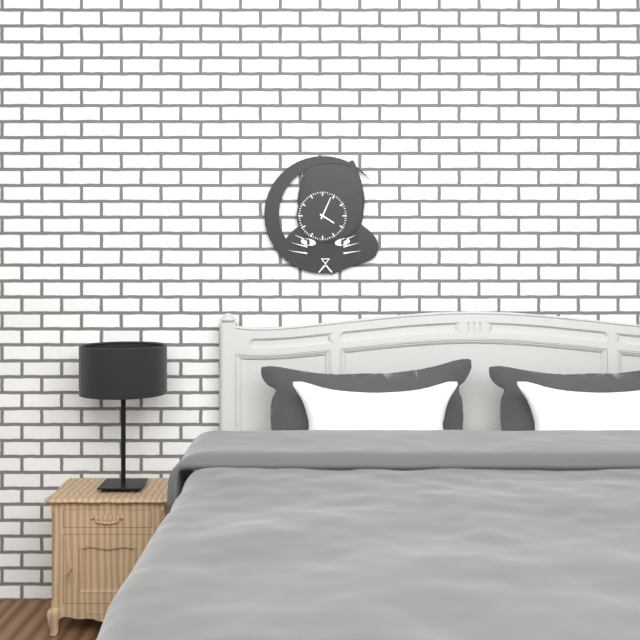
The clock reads h=4 m=4
